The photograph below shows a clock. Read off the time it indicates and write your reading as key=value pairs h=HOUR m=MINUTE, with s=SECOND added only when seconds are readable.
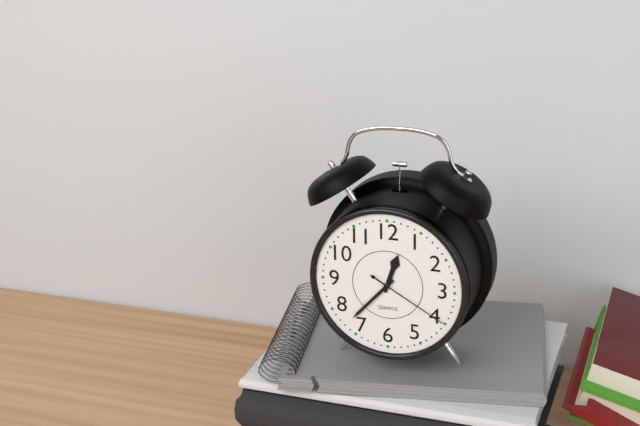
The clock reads h=12 m=37 s=20
